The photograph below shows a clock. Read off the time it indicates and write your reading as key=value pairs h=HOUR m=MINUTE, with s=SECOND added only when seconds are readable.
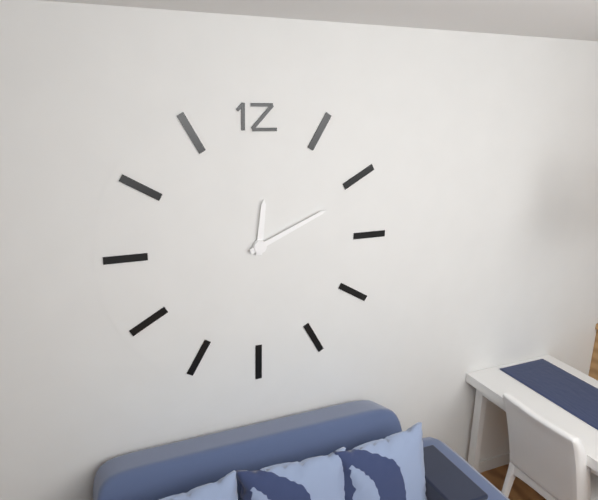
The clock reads h=12 m=11
